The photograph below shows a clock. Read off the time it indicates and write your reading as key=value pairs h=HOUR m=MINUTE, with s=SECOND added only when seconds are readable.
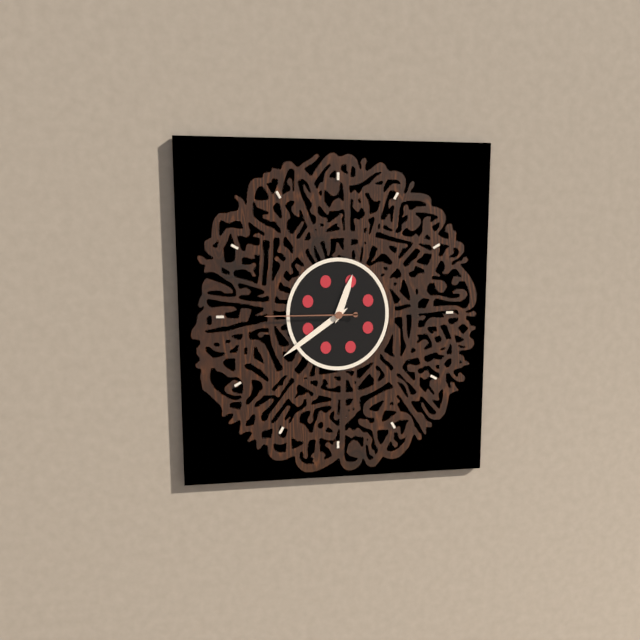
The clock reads h=12 m=39 s=45
